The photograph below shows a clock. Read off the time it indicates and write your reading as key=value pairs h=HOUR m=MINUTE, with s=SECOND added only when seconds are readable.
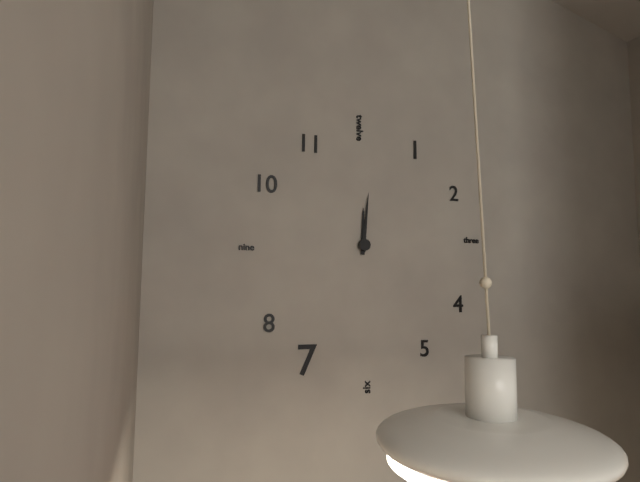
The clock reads h=12 m=1
